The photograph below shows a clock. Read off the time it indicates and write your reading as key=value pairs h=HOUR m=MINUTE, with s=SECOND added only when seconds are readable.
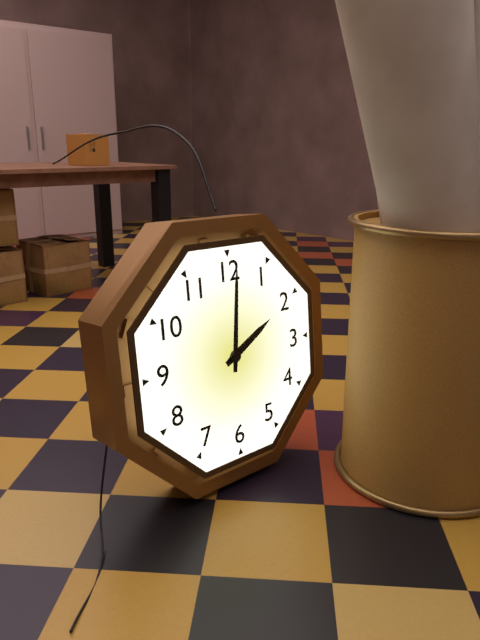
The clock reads h=2 m=1
